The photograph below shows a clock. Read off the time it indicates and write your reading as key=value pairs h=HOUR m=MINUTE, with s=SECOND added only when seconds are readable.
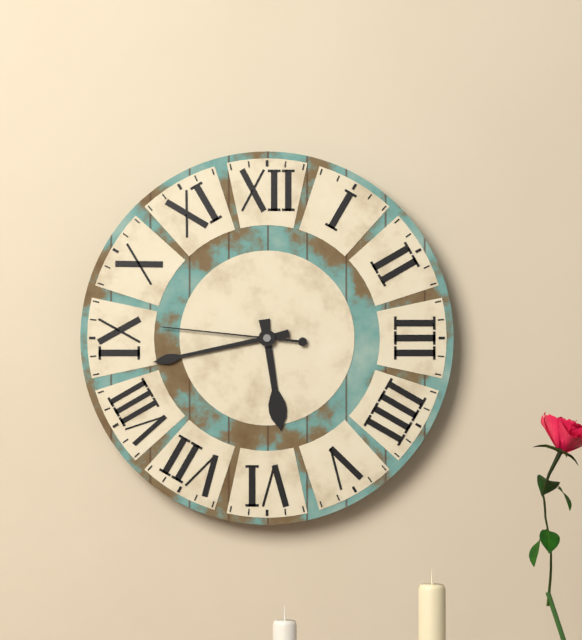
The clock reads h=5 m=43 s=46
